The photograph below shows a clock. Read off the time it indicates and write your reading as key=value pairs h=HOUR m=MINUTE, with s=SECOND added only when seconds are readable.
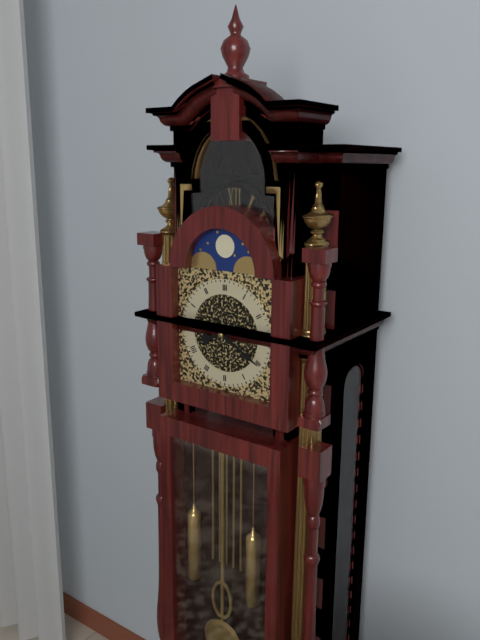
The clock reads h=8 m=20
